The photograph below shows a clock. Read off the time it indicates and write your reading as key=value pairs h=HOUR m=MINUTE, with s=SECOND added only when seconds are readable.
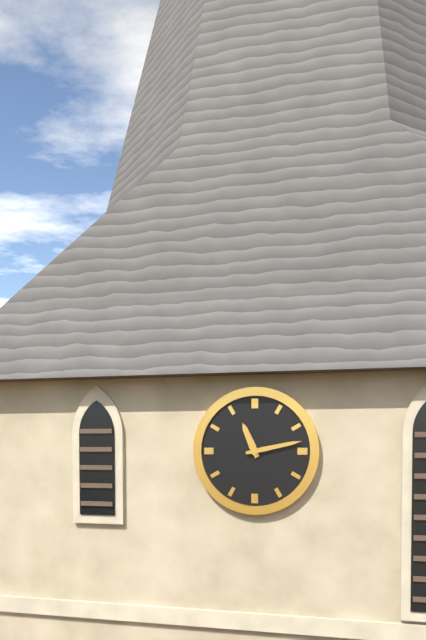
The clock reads h=11 m=13
